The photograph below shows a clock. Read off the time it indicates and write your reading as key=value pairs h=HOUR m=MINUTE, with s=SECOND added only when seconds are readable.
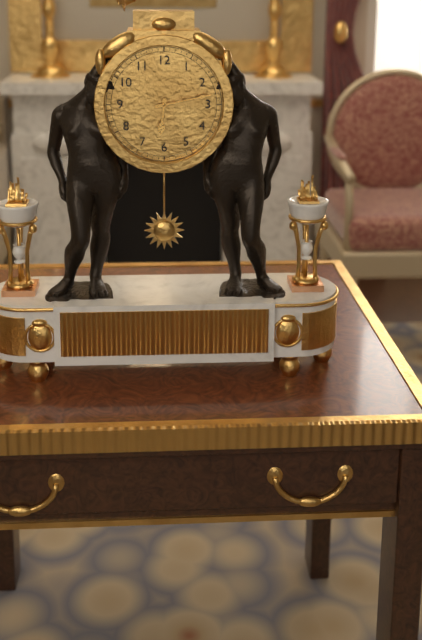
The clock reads h=6 m=13
